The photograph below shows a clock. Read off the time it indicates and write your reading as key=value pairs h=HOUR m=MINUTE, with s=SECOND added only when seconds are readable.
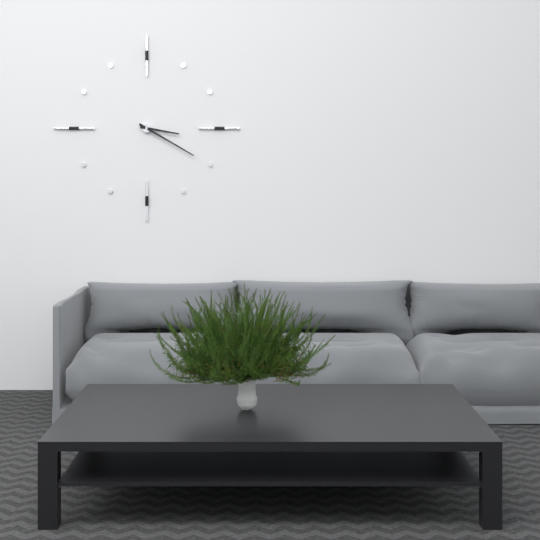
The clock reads h=3 m=20
